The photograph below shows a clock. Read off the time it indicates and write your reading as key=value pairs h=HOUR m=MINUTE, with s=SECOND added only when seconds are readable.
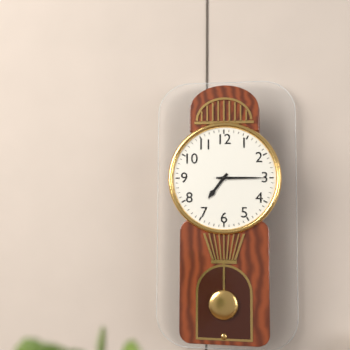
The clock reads h=7 m=15
